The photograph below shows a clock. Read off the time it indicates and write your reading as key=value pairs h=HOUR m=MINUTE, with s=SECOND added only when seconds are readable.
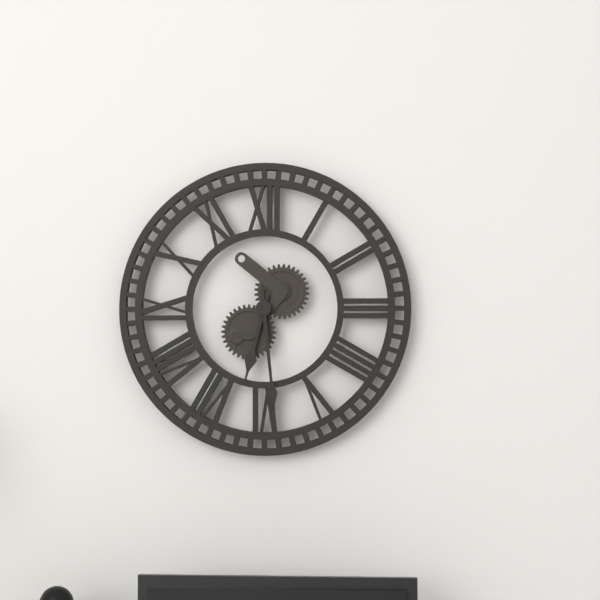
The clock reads h=6 m=29
